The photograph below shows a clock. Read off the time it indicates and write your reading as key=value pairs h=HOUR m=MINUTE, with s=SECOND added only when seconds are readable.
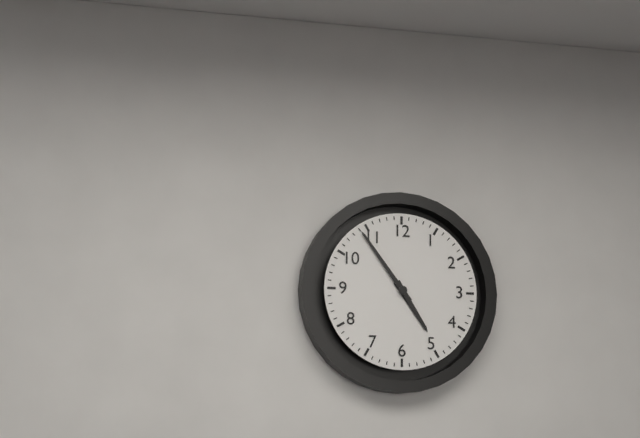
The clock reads h=4 m=54
